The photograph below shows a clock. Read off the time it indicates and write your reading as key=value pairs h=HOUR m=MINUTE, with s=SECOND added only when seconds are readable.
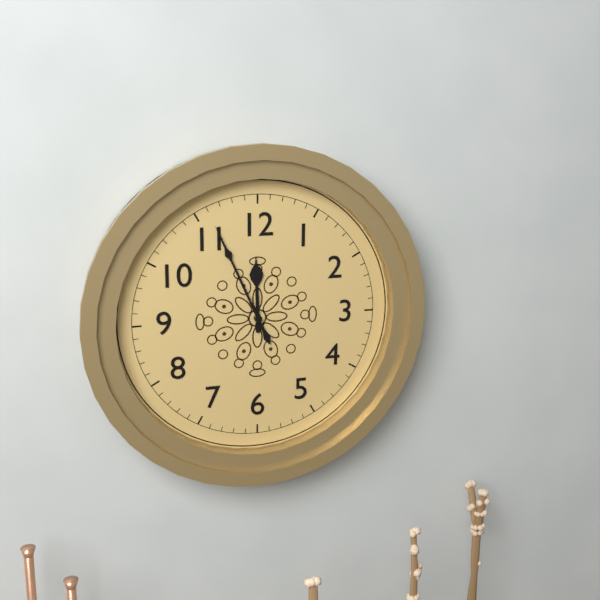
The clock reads h=11 m=56
